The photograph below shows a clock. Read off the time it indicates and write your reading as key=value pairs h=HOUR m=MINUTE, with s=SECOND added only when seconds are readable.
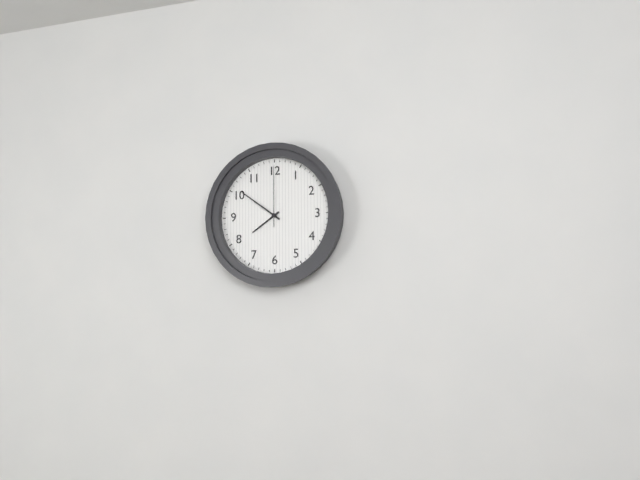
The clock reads h=7 m=51 s=0
